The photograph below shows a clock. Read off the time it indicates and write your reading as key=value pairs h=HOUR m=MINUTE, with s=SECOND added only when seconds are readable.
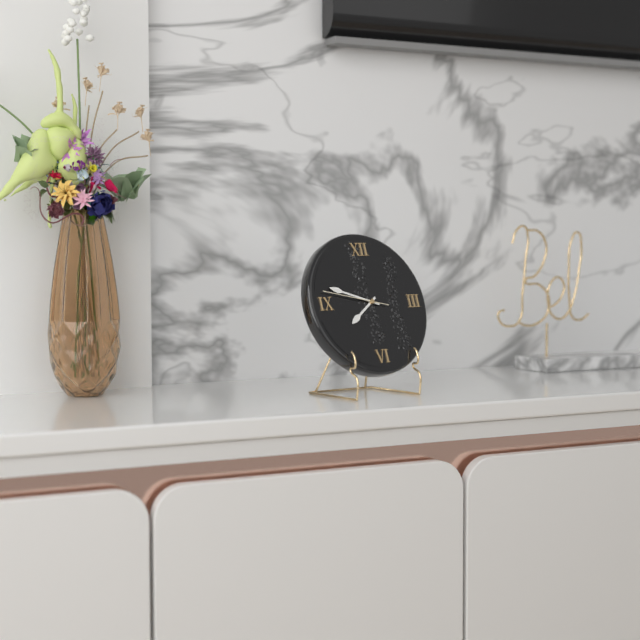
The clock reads h=7 m=48 s=47
